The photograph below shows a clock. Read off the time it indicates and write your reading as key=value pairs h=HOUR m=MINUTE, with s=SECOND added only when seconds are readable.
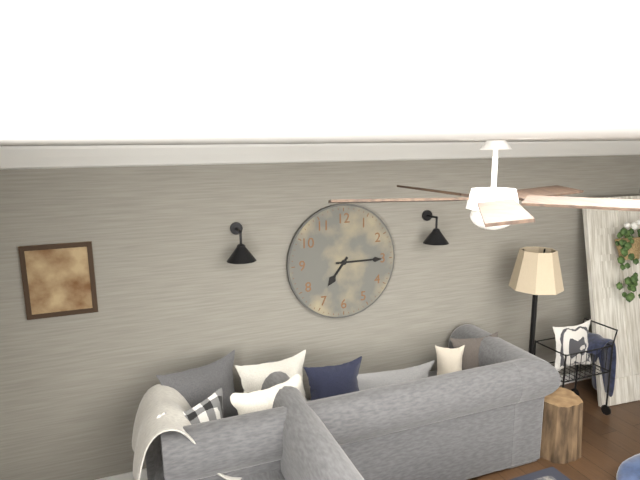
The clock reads h=7 m=15
